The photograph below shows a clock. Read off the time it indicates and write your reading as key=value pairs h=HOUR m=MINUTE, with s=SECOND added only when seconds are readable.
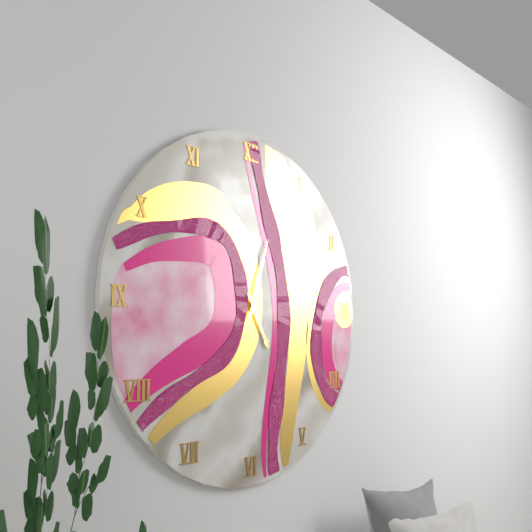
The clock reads h=5 m=3
